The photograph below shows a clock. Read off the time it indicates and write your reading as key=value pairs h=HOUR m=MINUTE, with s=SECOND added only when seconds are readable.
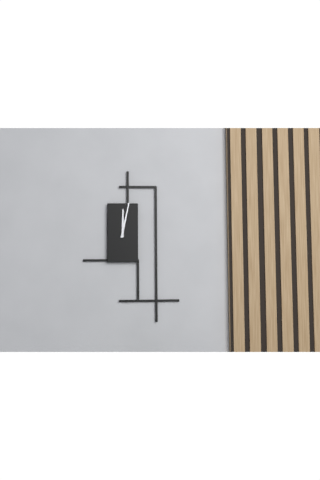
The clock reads h=12 m=2
